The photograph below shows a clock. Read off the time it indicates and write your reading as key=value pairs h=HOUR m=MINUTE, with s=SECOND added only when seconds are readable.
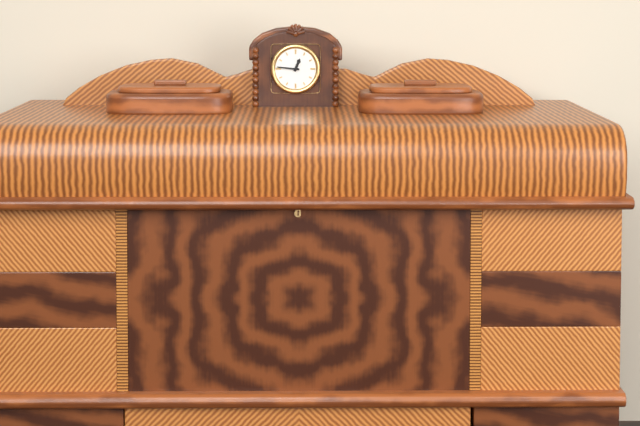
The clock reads h=12 m=46
